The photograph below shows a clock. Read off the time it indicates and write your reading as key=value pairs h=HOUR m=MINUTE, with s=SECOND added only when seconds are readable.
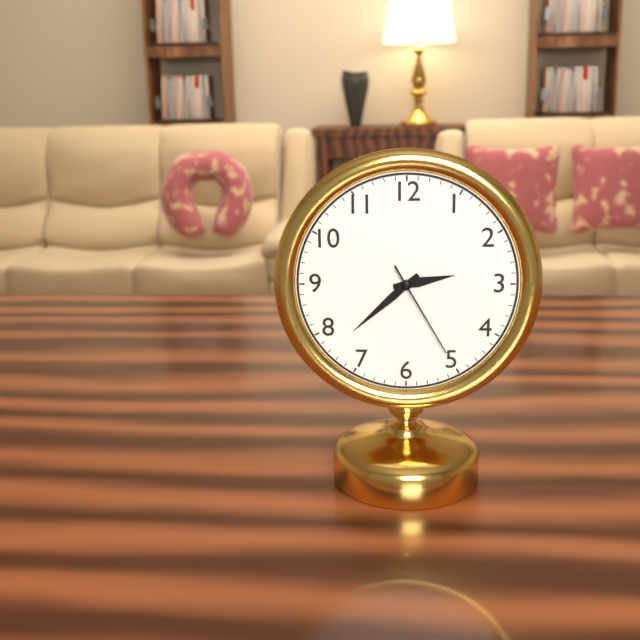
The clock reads h=2 m=38 s=25
